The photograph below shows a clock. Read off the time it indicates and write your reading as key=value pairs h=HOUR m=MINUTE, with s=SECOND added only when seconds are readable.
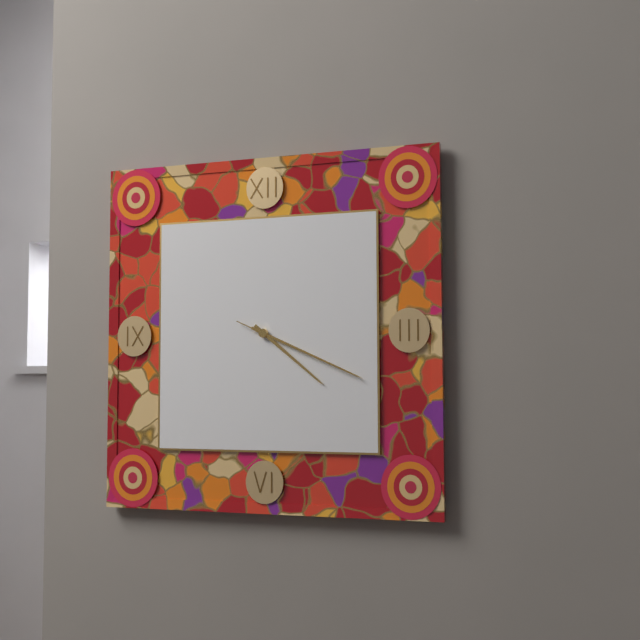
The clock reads h=4 m=19 s=19
